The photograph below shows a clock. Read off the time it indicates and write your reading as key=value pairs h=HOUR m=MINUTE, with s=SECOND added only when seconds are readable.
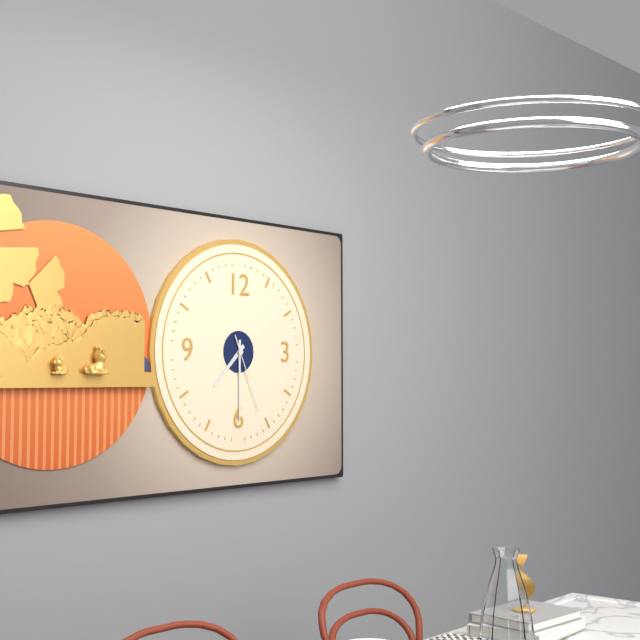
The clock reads h=7 m=30 s=26
